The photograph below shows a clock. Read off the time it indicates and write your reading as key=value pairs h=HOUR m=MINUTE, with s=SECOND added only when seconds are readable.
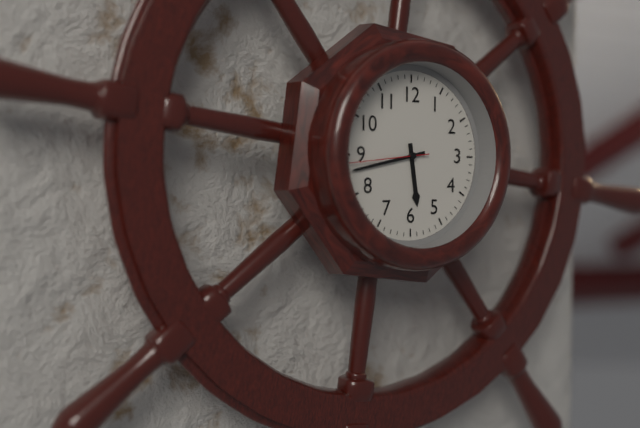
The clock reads h=5 m=43 s=44
